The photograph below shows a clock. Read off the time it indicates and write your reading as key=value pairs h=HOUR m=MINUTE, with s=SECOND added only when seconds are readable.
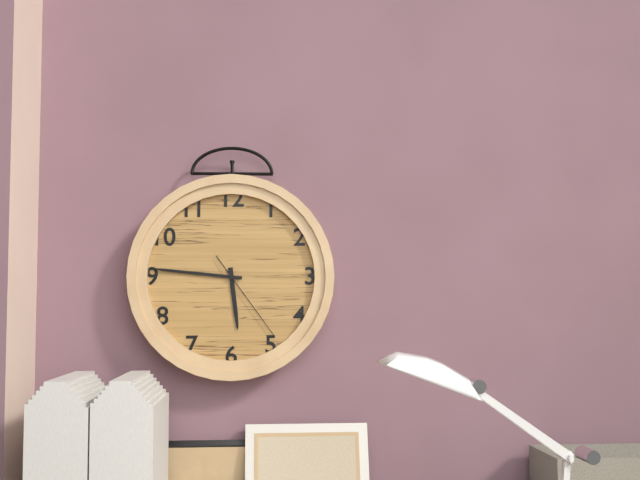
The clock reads h=5 m=46 s=24
